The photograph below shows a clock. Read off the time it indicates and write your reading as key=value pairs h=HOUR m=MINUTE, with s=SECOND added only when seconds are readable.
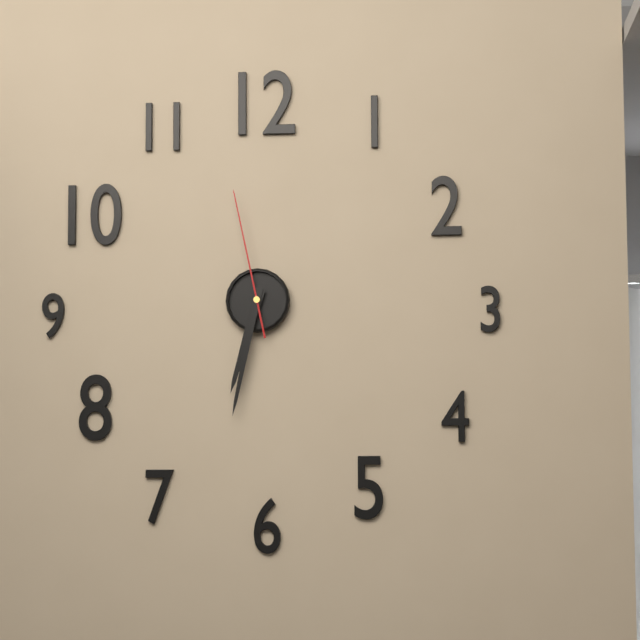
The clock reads h=6 m=32 s=58
